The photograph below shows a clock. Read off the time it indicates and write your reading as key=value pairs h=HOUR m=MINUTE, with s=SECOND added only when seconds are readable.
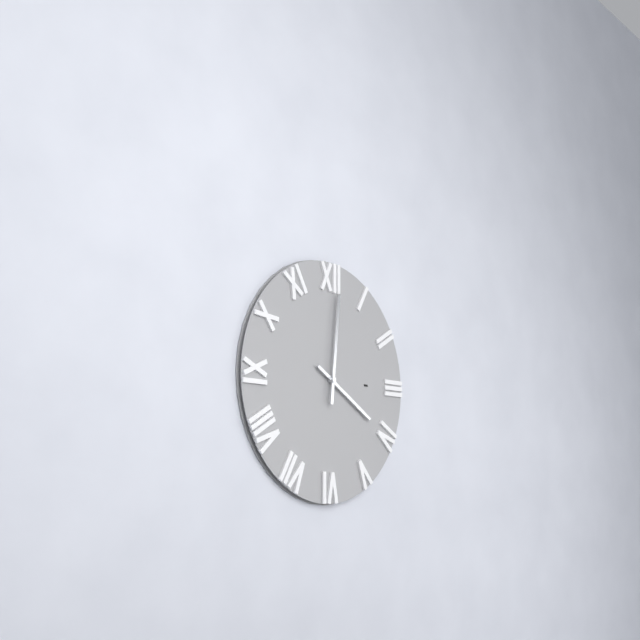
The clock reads h=4 m=1
